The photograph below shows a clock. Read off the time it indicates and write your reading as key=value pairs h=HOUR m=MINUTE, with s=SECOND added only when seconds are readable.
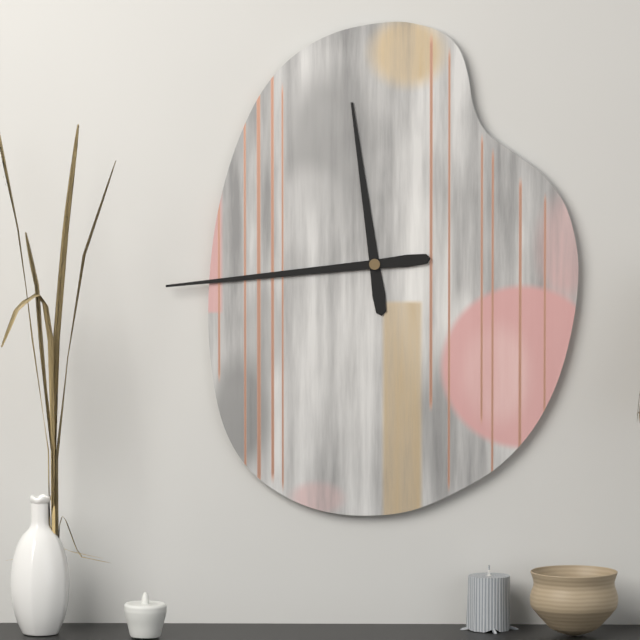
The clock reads h=11 m=44
